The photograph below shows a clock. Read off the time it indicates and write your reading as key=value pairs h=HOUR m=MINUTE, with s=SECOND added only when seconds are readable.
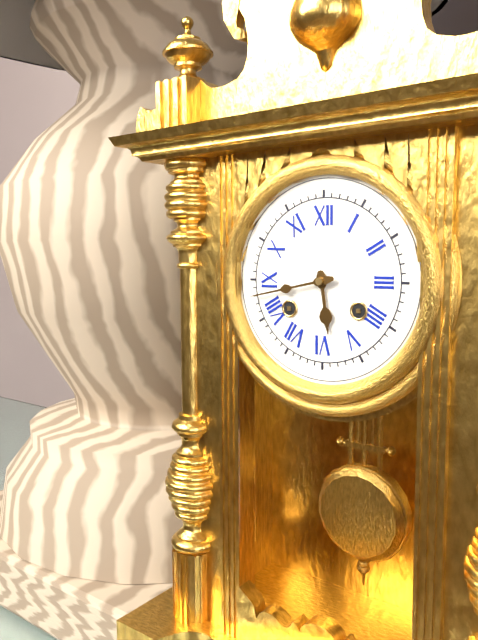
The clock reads h=5 m=43
